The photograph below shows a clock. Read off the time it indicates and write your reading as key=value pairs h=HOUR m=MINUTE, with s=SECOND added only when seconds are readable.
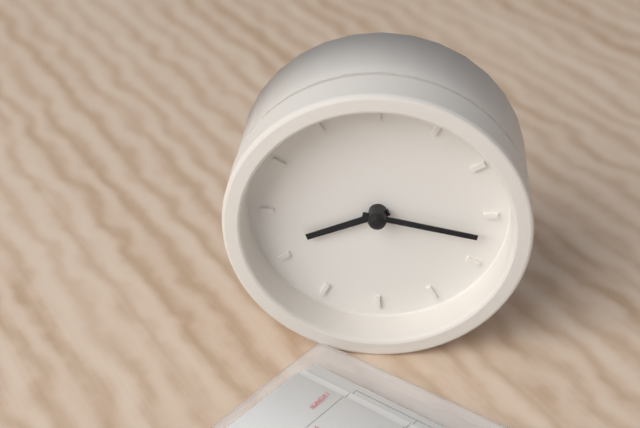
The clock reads h=8 m=17
